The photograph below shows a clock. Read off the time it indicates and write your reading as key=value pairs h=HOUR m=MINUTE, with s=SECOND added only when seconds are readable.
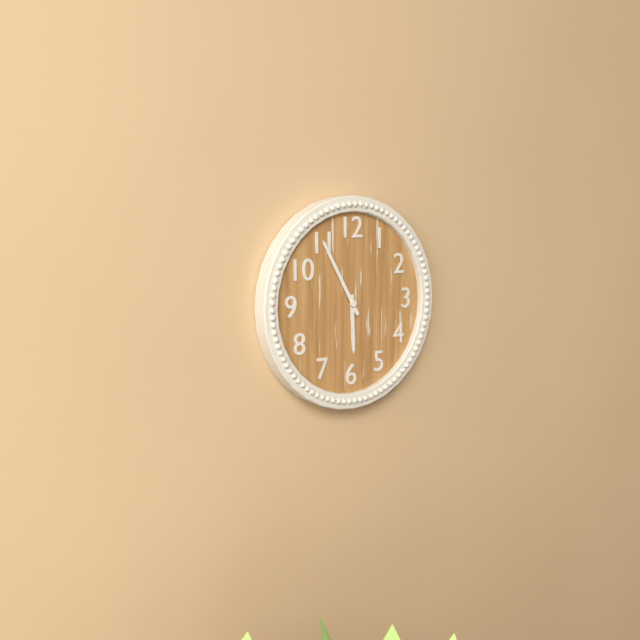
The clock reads h=5 m=55
